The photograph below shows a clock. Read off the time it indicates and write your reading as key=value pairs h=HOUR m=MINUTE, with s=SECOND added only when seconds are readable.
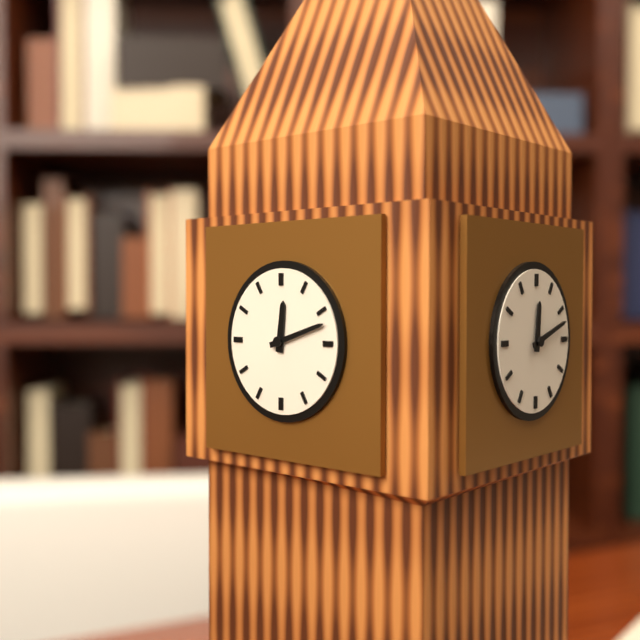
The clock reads h=12 m=12
